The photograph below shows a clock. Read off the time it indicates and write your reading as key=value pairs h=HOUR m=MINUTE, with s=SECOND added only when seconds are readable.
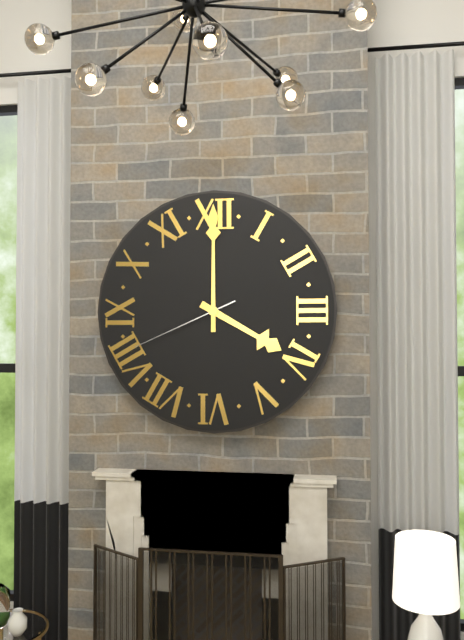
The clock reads h=4 m=0 s=41
